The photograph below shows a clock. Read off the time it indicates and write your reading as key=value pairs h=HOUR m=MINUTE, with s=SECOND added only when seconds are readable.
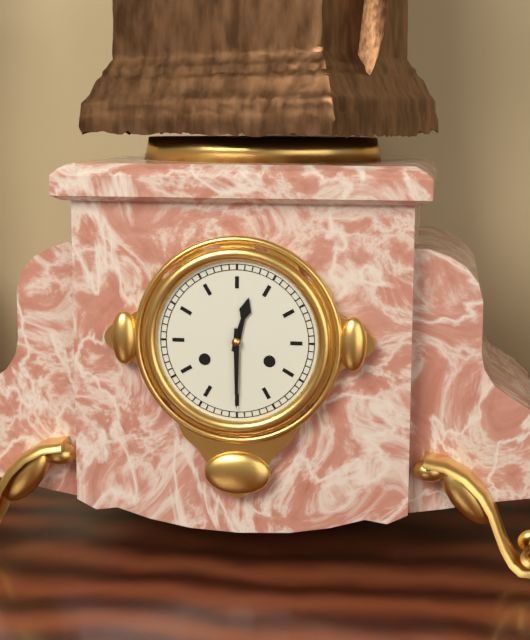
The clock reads h=12 m=30
